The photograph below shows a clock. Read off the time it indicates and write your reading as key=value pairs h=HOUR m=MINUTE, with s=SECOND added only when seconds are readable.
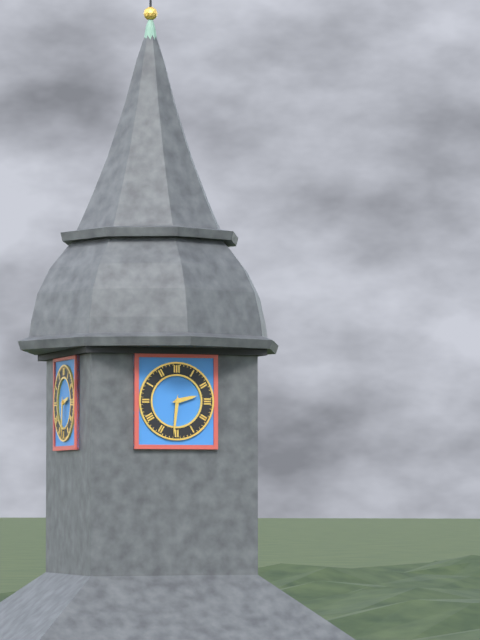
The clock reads h=2 m=31
